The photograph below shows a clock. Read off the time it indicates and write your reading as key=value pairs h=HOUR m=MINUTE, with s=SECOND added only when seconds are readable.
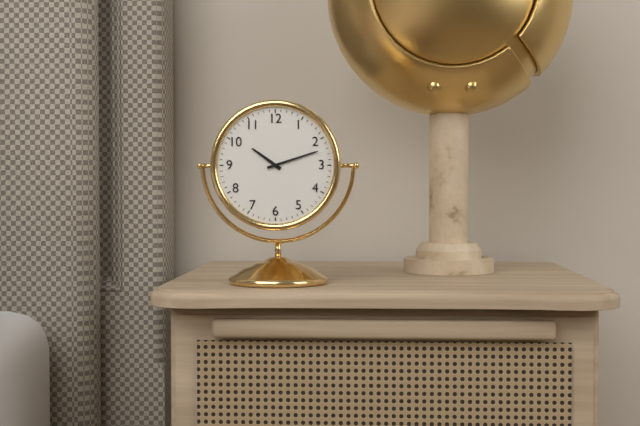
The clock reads h=10 m=12
